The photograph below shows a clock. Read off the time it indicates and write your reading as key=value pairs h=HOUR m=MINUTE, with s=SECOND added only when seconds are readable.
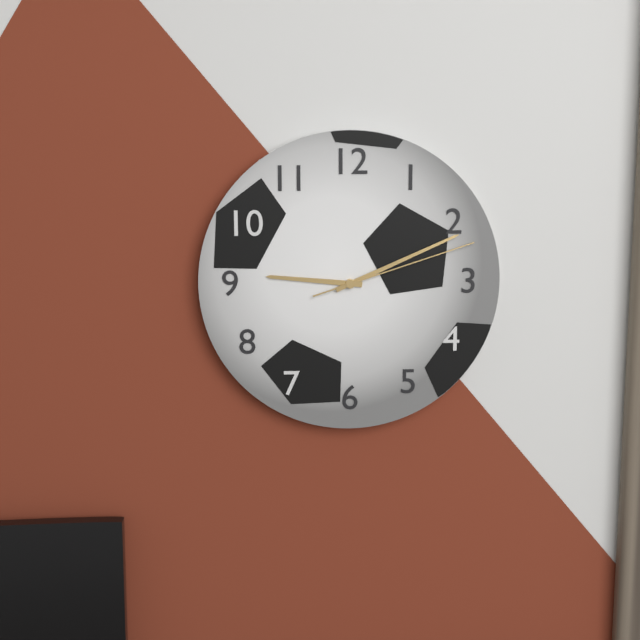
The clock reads h=9 m=11 s=12
